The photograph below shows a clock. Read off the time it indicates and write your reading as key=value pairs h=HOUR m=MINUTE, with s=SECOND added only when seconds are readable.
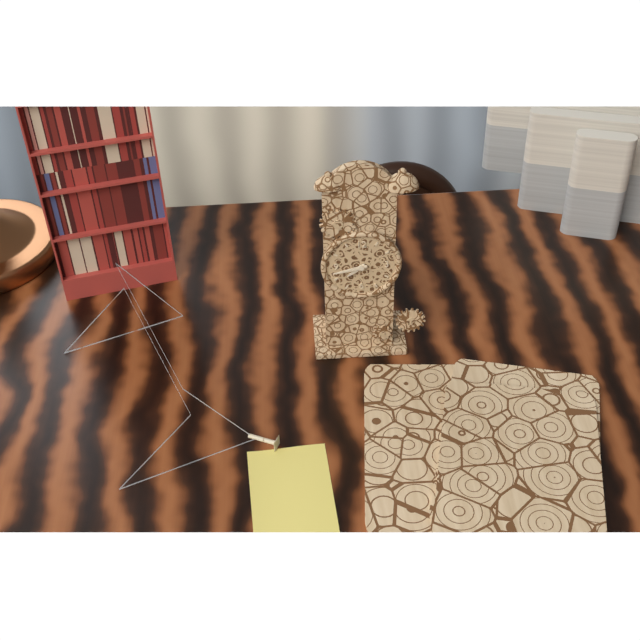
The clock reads h=7 m=43
